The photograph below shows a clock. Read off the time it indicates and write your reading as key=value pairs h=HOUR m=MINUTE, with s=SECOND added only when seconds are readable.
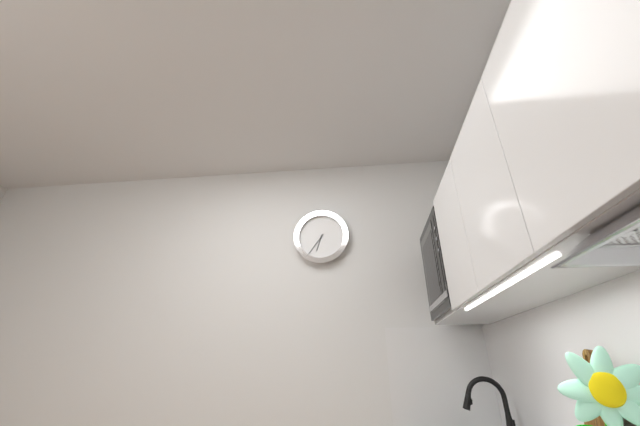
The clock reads h=6 m=36
